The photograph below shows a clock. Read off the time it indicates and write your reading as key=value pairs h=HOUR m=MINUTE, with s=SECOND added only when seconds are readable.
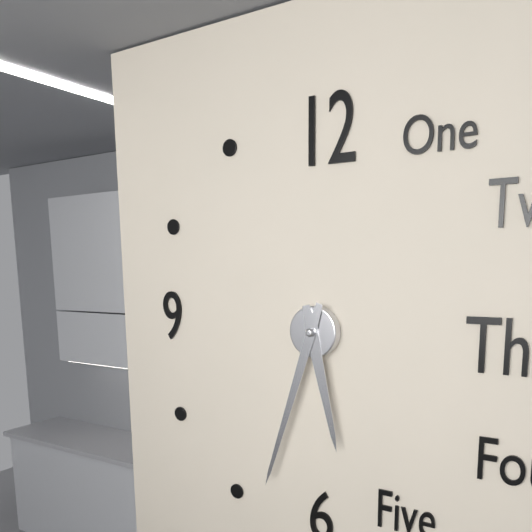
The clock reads h=5 m=33
